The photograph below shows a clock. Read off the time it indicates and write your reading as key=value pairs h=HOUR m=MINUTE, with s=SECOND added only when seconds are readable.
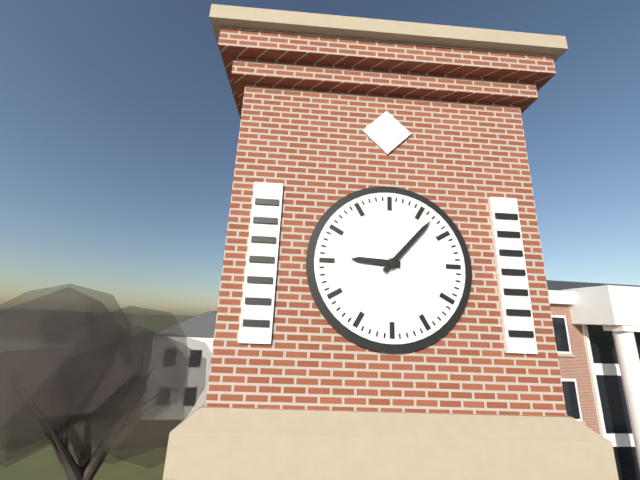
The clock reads h=9 m=7
